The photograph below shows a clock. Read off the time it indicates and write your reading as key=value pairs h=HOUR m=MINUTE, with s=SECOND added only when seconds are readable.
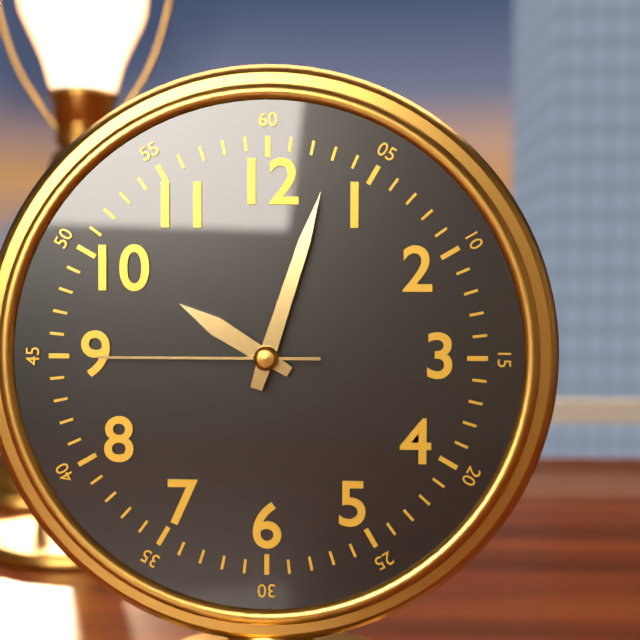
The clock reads h=10 m=3 s=45
